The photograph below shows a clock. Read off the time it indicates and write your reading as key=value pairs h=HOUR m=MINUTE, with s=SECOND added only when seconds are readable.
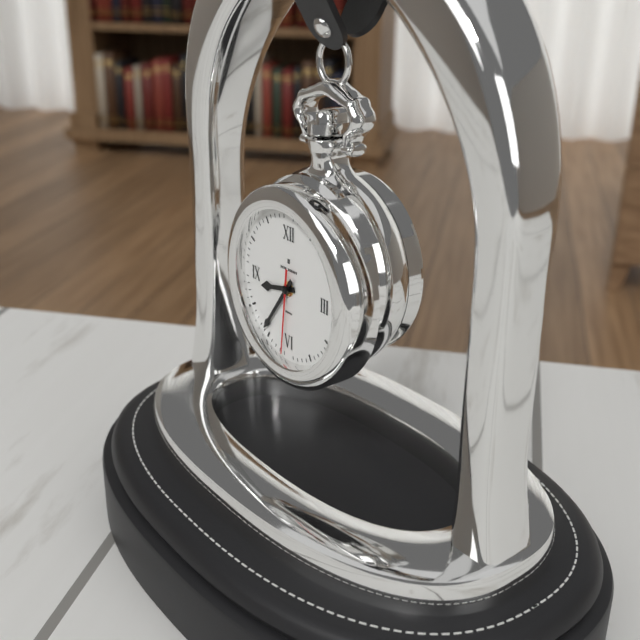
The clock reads h=8 m=36 s=31
